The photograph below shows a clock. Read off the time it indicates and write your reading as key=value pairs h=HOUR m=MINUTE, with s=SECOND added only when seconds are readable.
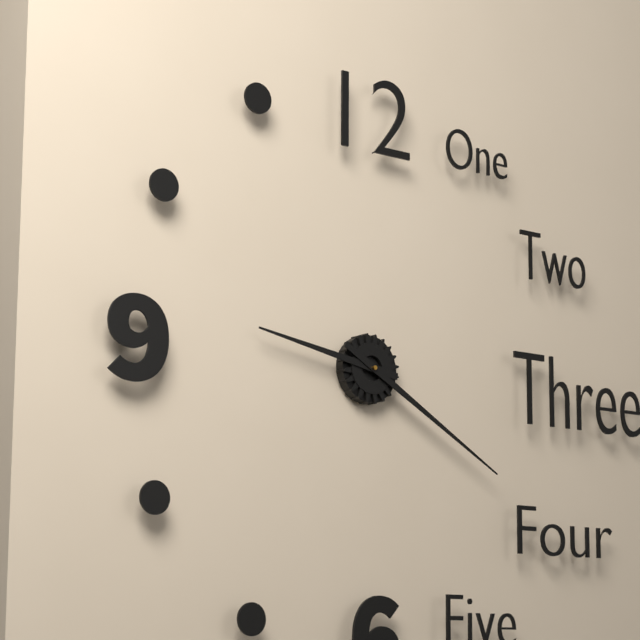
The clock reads h=9 m=20
